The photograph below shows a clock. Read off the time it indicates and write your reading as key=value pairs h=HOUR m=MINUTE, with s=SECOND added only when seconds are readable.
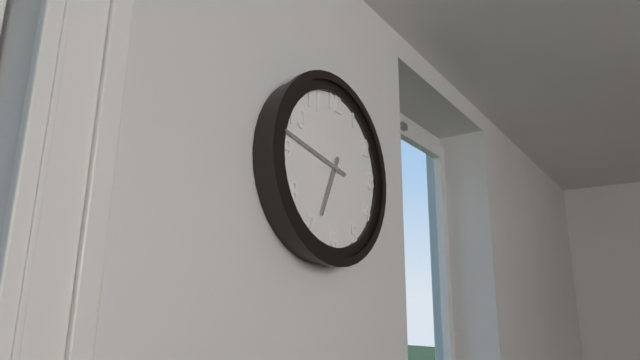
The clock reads h=6 m=47
